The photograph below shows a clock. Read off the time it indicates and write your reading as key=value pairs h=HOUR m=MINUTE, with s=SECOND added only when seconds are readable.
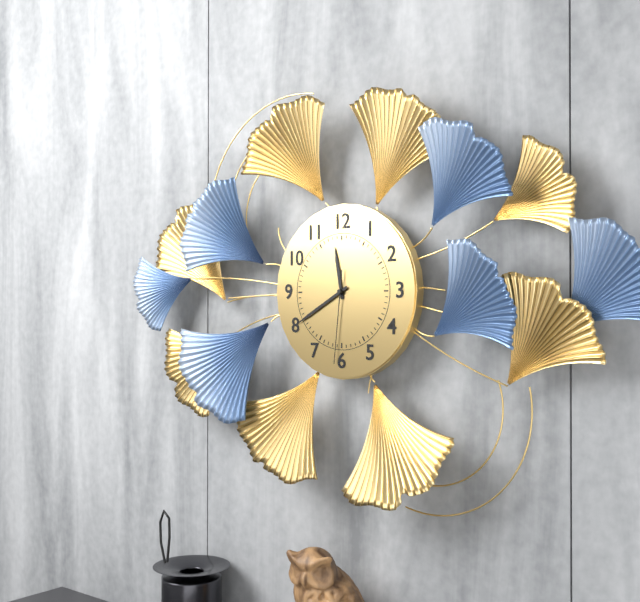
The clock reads h=11 m=40 s=31
